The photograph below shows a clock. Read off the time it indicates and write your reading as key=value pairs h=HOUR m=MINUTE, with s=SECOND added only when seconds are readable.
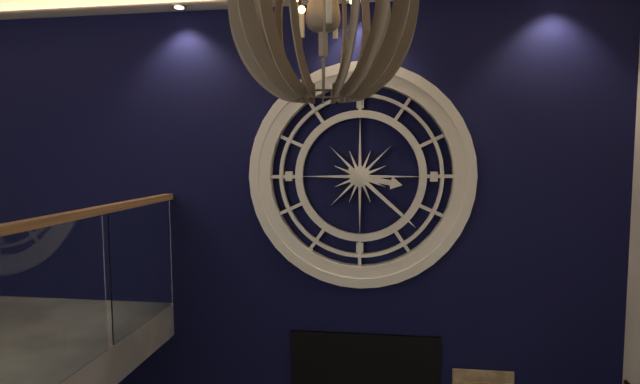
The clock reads h=3 m=22
